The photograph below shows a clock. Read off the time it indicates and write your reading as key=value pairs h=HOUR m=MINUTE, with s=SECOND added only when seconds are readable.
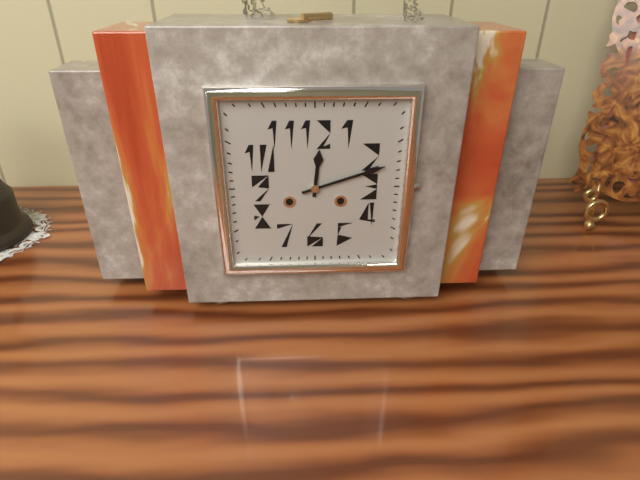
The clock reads h=12 m=12
